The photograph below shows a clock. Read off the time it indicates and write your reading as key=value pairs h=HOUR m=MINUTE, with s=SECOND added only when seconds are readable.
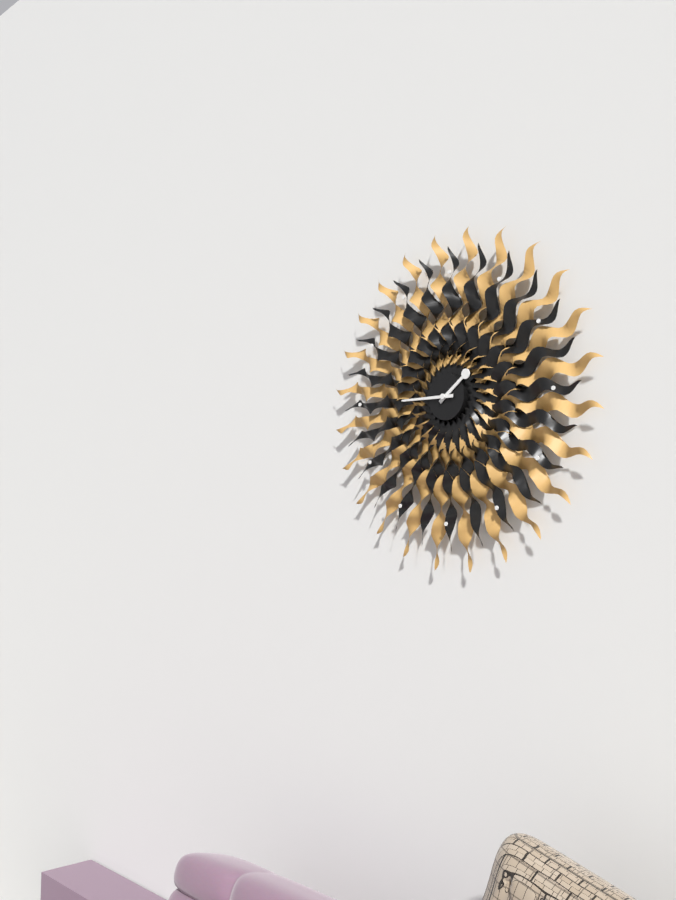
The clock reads h=1 m=45
